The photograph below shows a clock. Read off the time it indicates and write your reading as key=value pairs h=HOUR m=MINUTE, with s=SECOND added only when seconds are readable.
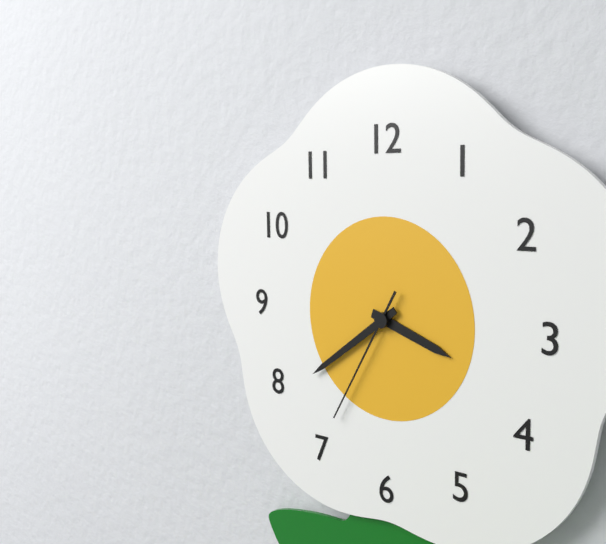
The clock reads h=3 m=39 s=35
